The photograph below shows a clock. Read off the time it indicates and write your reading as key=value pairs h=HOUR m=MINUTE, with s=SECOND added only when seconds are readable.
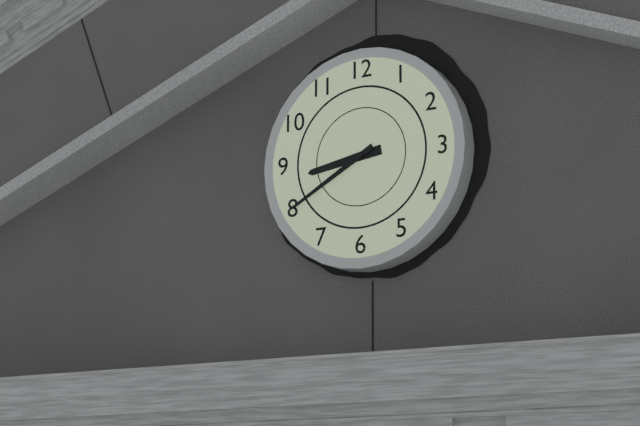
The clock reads h=8 m=40
